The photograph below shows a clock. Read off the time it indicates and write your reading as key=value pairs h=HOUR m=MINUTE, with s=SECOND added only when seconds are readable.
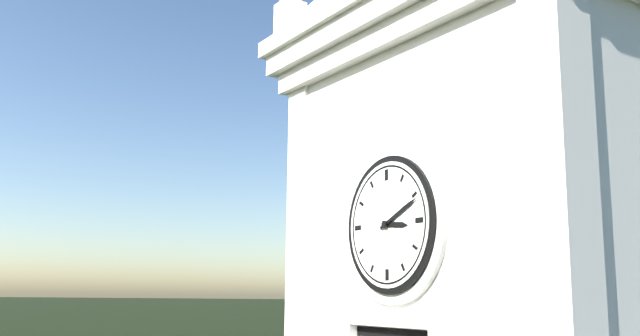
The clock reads h=3 m=11
